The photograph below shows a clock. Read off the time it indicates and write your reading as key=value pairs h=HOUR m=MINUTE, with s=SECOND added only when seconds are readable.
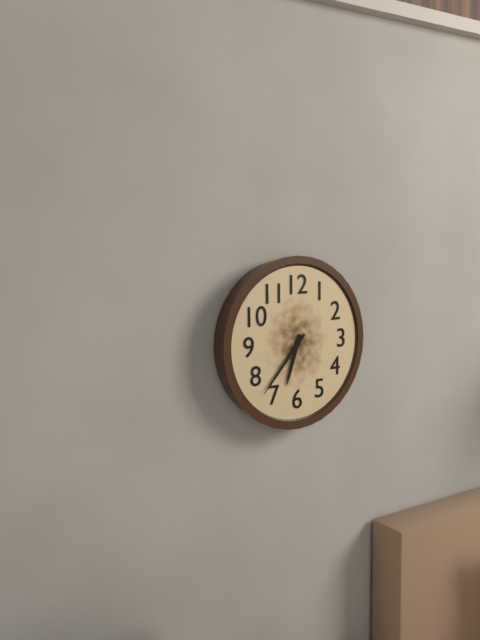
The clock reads h=6 m=37
